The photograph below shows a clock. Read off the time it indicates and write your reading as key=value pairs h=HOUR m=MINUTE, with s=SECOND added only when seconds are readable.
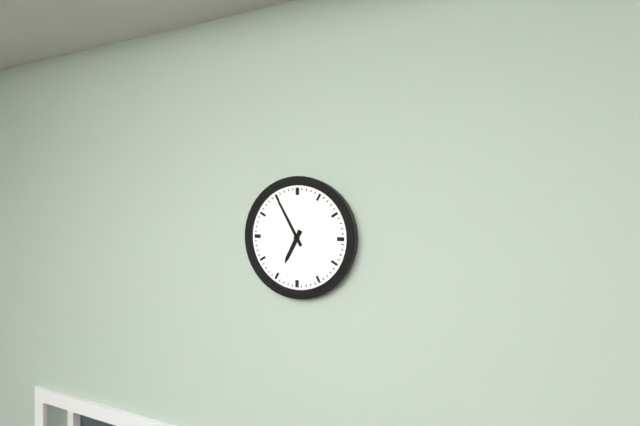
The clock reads h=6 m=55
